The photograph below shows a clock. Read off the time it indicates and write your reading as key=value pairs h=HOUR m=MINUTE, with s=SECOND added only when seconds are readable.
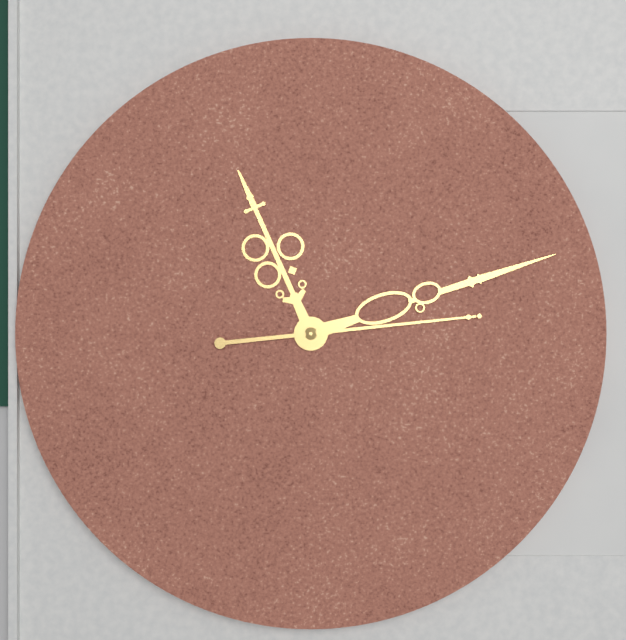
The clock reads h=11 m=12 s=14
